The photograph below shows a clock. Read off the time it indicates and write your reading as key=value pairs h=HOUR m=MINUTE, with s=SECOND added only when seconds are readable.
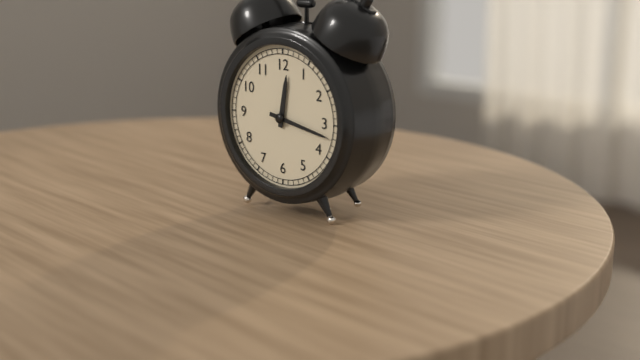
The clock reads h=12 m=17
